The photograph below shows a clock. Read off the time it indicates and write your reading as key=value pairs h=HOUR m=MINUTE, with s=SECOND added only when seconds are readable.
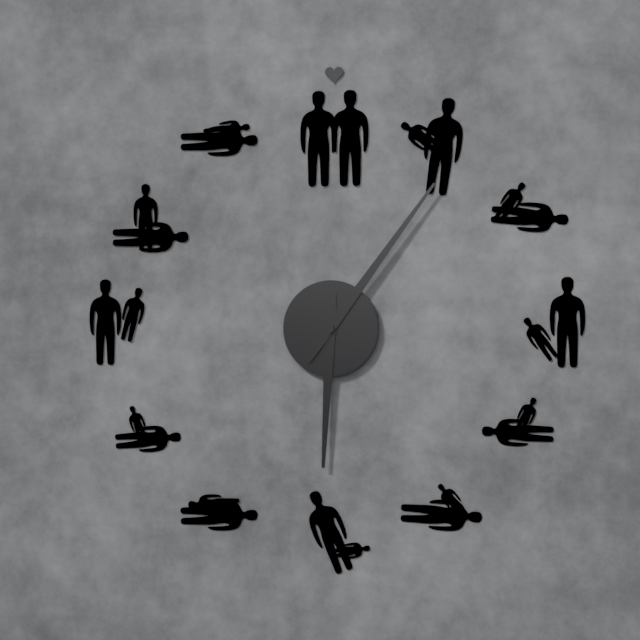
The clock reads h=6 m=6
